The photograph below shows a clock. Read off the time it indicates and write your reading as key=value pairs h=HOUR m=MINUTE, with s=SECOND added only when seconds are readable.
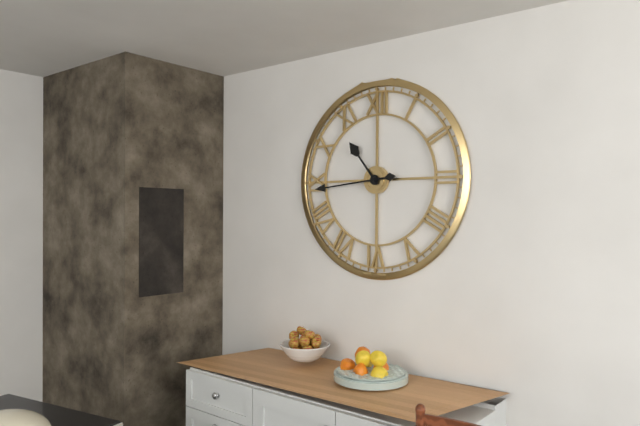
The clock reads h=10 m=44
